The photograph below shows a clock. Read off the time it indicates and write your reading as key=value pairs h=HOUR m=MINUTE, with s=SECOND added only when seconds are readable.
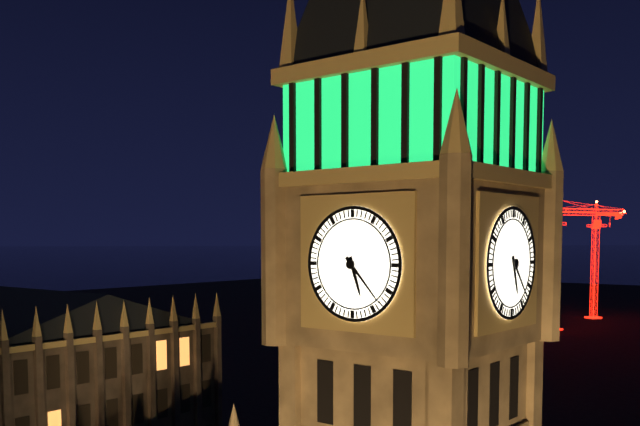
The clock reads h=5 m=23
